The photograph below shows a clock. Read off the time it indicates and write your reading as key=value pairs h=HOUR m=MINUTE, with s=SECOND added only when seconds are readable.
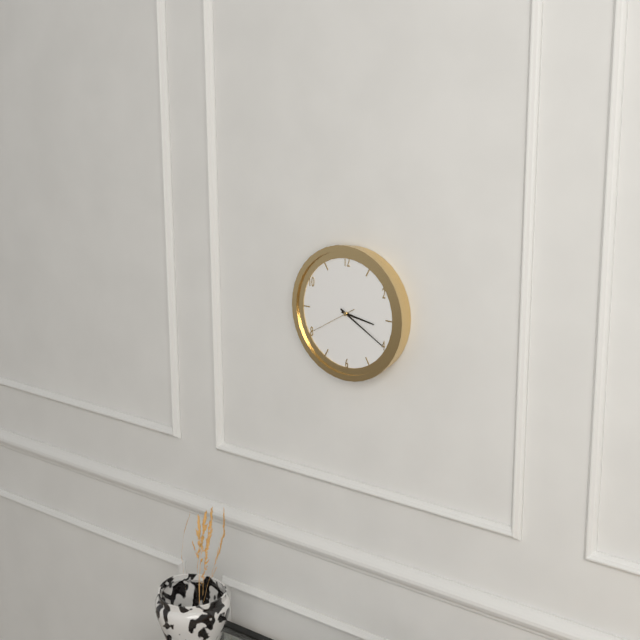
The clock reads h=3 m=20 s=40
